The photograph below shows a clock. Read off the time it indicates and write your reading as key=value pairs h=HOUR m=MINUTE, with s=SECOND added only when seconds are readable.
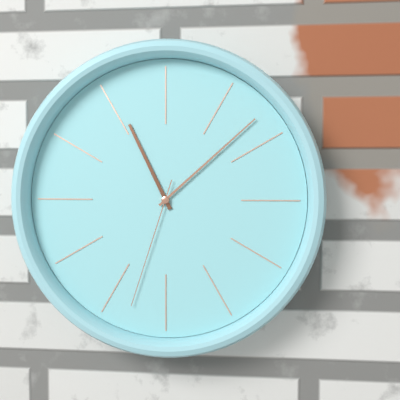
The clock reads h=11 m=8 s=33
